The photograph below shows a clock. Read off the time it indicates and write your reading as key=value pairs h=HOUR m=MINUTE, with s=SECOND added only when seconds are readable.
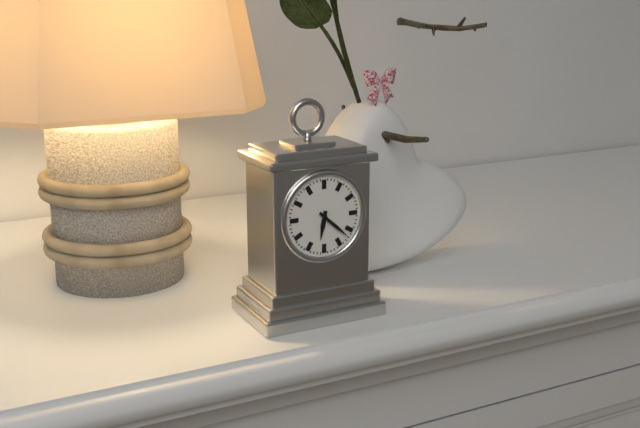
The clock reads h=6 m=22
